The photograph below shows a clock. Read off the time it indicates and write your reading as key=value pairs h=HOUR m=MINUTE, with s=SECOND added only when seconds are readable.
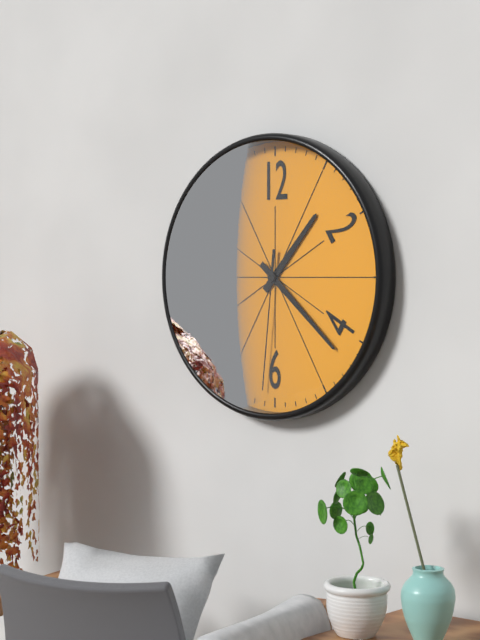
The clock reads h=1 m=22 s=31
